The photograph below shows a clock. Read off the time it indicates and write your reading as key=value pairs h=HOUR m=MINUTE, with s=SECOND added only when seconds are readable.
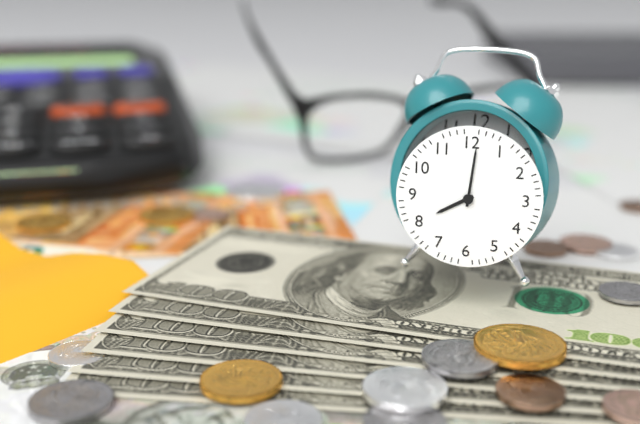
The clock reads h=8 m=1
